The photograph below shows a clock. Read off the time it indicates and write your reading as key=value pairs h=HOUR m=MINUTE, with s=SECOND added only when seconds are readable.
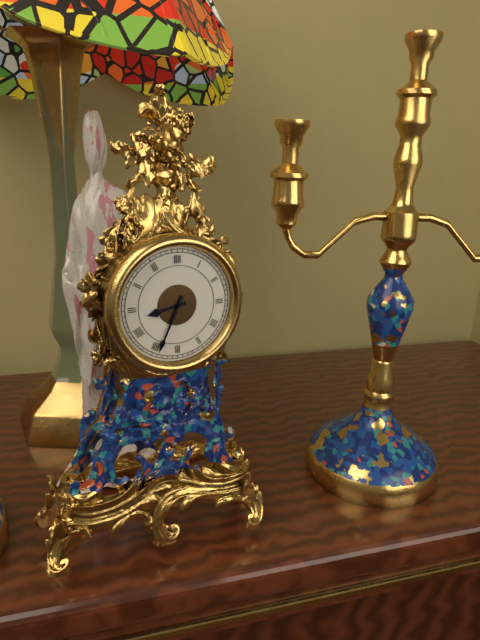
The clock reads h=8 m=34
